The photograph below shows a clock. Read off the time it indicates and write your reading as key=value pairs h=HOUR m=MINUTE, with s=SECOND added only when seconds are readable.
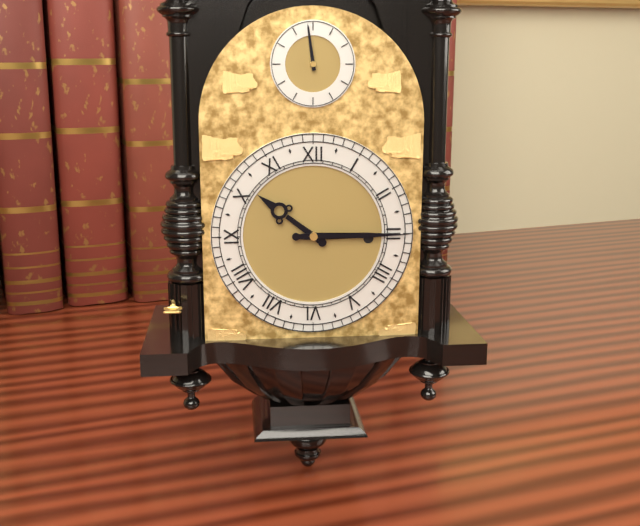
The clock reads h=10 m=15
